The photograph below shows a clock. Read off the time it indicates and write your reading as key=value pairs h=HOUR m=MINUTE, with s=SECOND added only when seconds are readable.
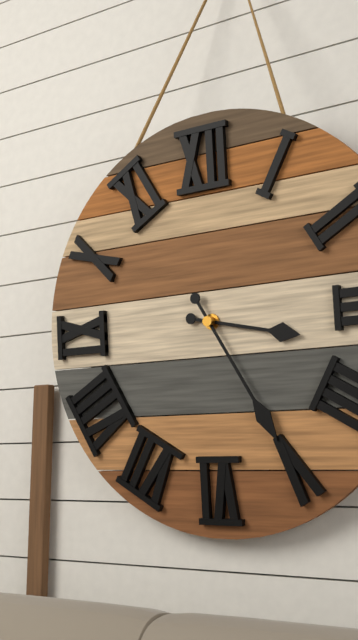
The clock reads h=3 m=25
